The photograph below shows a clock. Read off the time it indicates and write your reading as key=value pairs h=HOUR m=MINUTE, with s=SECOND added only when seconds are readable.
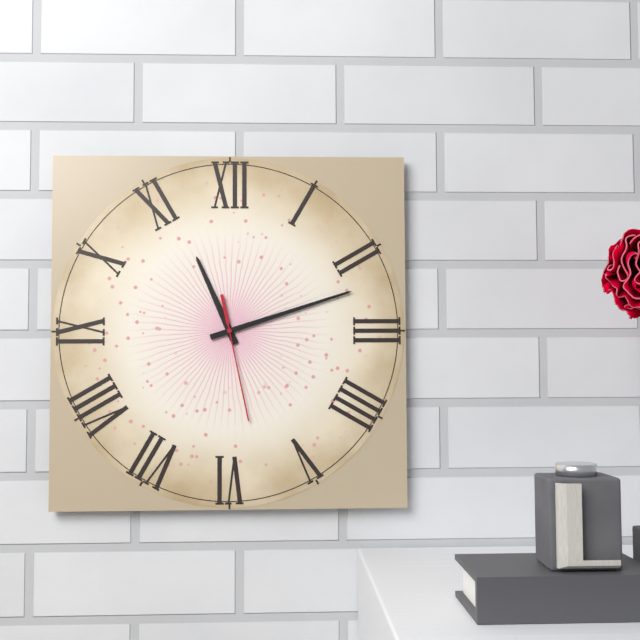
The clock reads h=11 m=12 s=28
